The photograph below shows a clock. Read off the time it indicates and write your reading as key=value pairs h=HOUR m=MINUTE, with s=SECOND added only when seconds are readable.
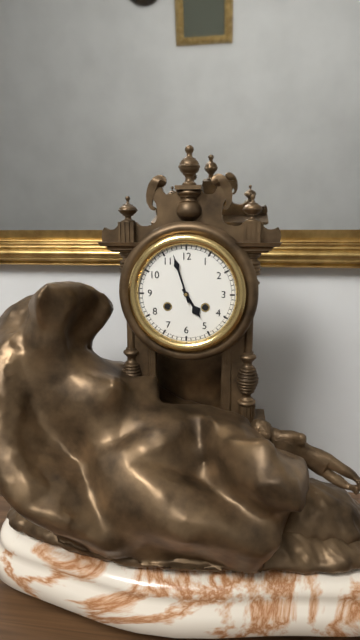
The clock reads h=4 m=57
